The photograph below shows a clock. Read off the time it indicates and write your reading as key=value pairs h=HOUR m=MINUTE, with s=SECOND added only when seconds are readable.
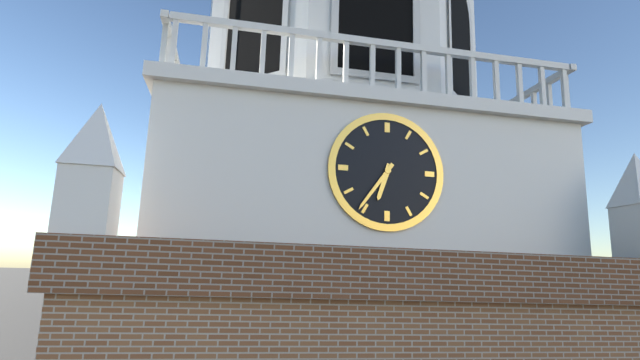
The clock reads h=6 m=36
